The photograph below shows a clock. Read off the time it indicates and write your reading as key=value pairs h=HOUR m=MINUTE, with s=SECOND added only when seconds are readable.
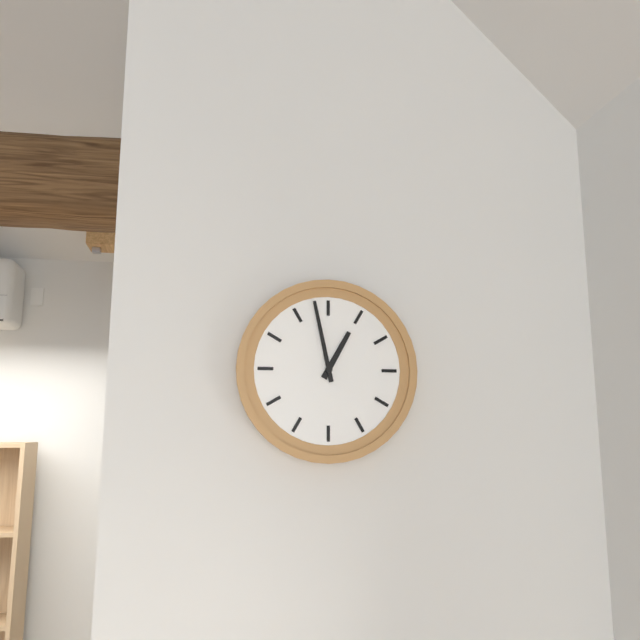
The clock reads h=12 m=58
